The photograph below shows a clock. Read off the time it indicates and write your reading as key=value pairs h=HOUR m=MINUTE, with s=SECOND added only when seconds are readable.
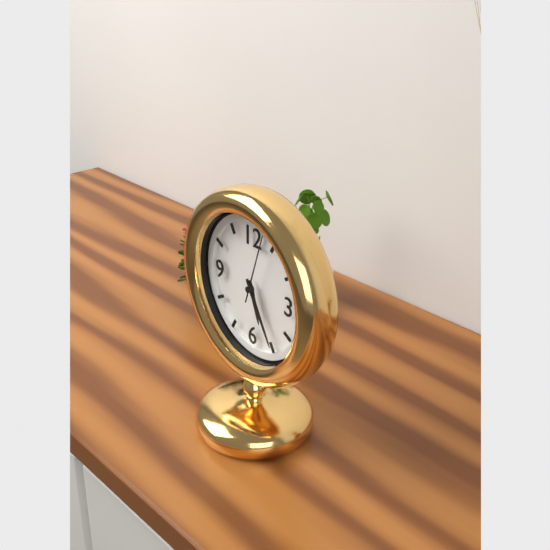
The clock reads h=5 m=25 s=3
